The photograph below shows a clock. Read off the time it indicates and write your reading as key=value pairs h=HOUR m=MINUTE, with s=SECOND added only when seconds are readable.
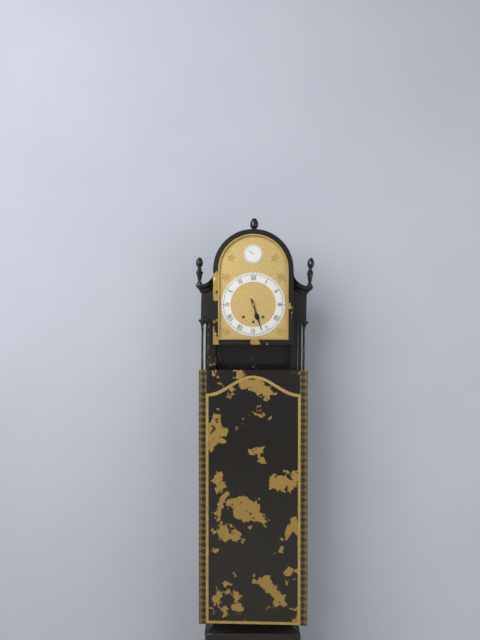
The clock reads h=5 m=27
